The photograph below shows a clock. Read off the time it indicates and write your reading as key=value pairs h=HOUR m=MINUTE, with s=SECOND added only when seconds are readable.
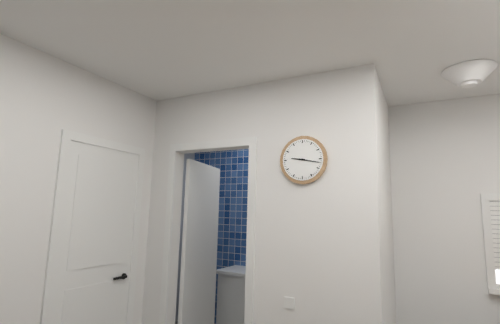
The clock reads h=9 m=17
